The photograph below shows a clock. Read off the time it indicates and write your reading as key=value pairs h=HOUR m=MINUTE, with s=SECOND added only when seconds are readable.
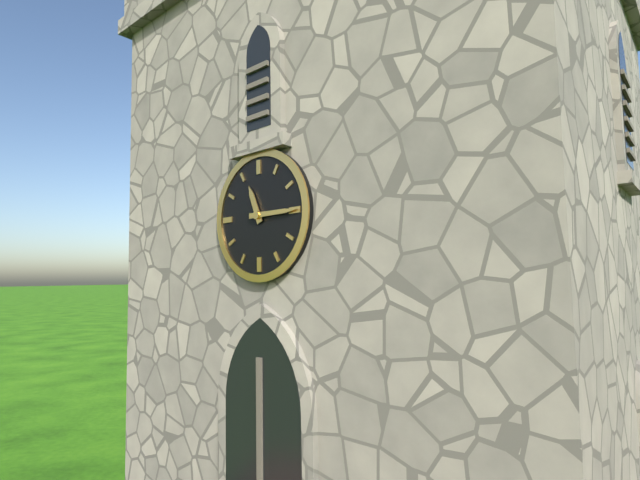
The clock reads h=11 m=15
